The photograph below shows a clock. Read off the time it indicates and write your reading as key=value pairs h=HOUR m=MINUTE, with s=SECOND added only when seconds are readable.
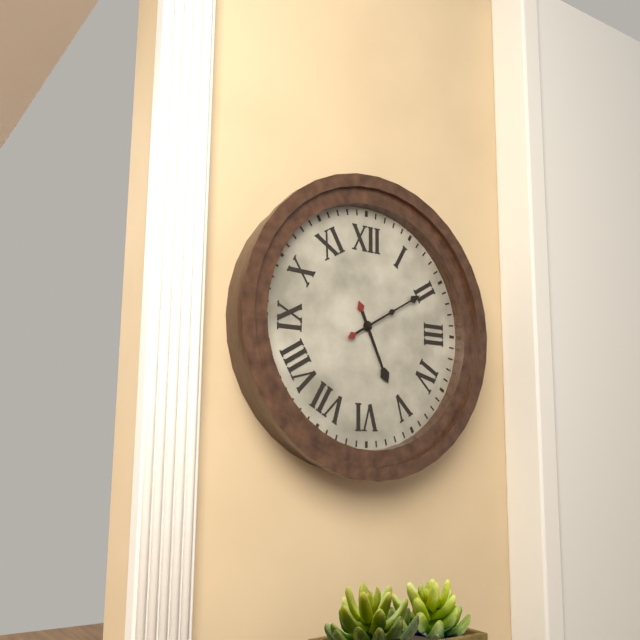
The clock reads h=5 m=10
